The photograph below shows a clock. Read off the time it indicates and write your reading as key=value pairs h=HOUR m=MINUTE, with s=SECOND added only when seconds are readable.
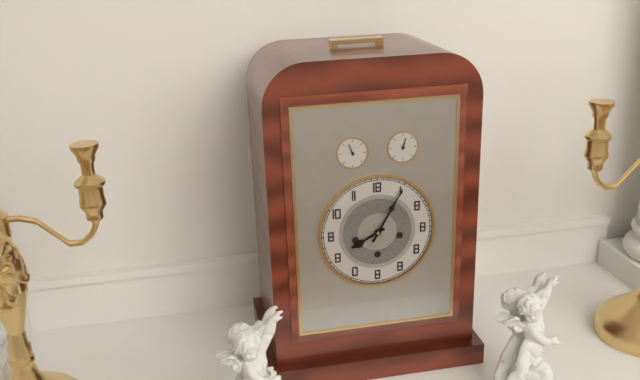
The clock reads h=8 m=5
